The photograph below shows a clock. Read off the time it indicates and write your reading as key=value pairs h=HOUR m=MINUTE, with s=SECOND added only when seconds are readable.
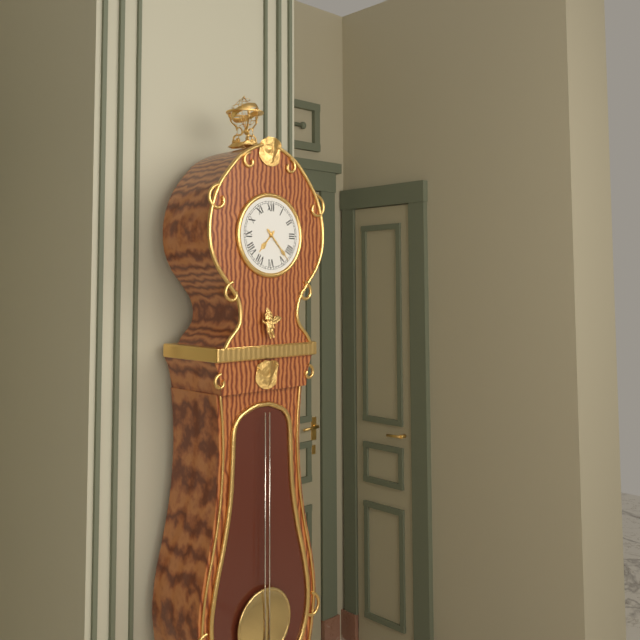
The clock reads h=7 m=23
